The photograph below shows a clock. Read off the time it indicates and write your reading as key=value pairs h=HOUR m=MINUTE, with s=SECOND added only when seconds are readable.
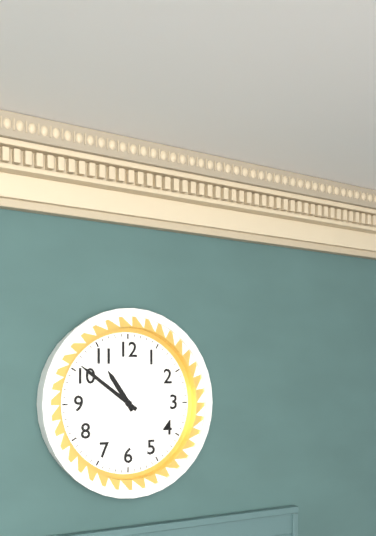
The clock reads h=10 m=51
